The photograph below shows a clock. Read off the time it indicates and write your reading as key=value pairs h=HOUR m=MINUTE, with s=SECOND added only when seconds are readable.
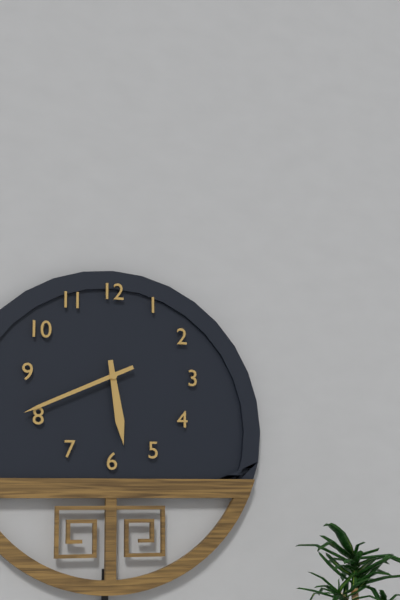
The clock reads h=5 m=41
